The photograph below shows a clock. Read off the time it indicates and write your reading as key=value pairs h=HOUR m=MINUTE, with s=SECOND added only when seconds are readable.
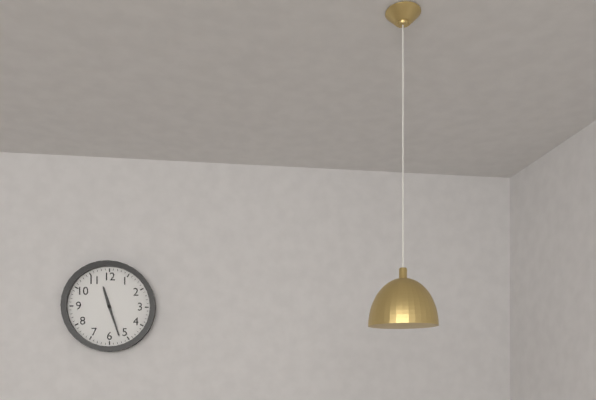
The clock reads h=11 m=27
